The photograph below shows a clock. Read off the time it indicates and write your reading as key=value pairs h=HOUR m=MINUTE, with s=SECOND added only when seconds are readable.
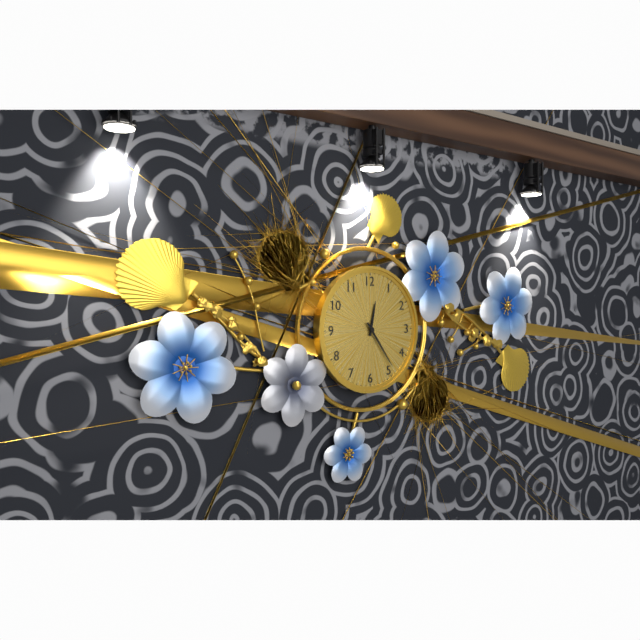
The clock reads h=12 m=24
